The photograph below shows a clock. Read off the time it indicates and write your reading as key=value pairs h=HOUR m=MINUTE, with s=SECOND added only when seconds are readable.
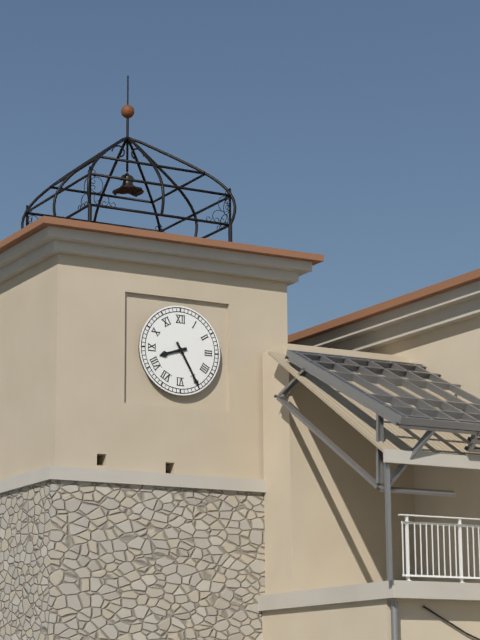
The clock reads h=8 m=25
